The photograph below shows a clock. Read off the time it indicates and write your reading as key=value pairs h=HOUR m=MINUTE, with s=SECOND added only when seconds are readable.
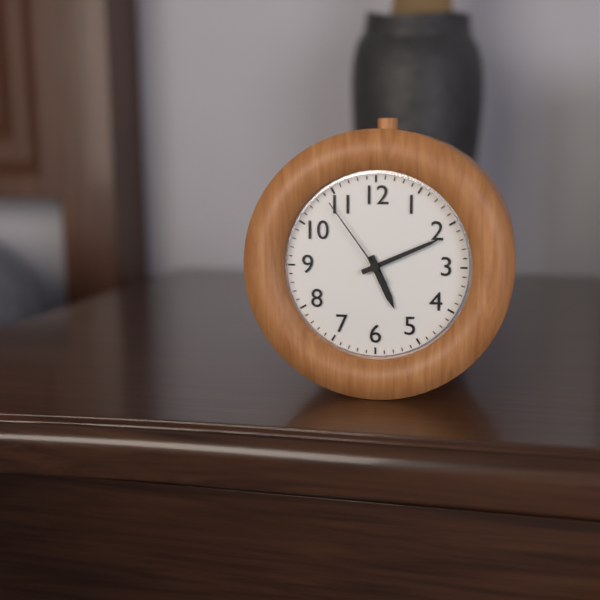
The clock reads h=5 m=11 s=54
